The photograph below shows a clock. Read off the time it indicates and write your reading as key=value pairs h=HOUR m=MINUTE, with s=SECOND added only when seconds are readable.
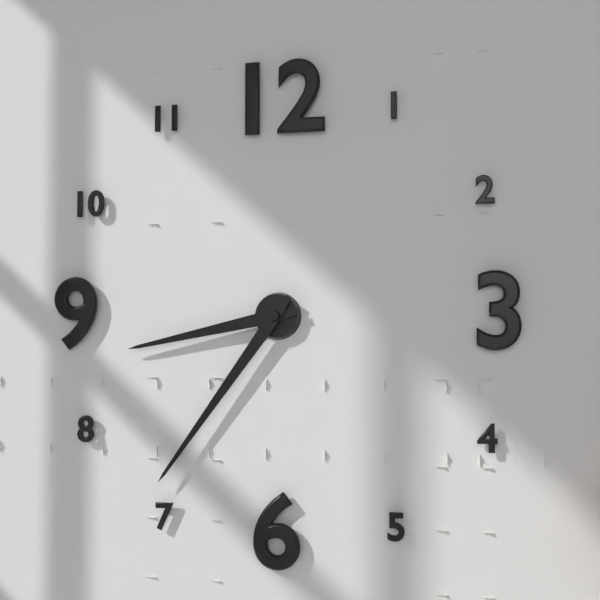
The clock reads h=8 m=36
